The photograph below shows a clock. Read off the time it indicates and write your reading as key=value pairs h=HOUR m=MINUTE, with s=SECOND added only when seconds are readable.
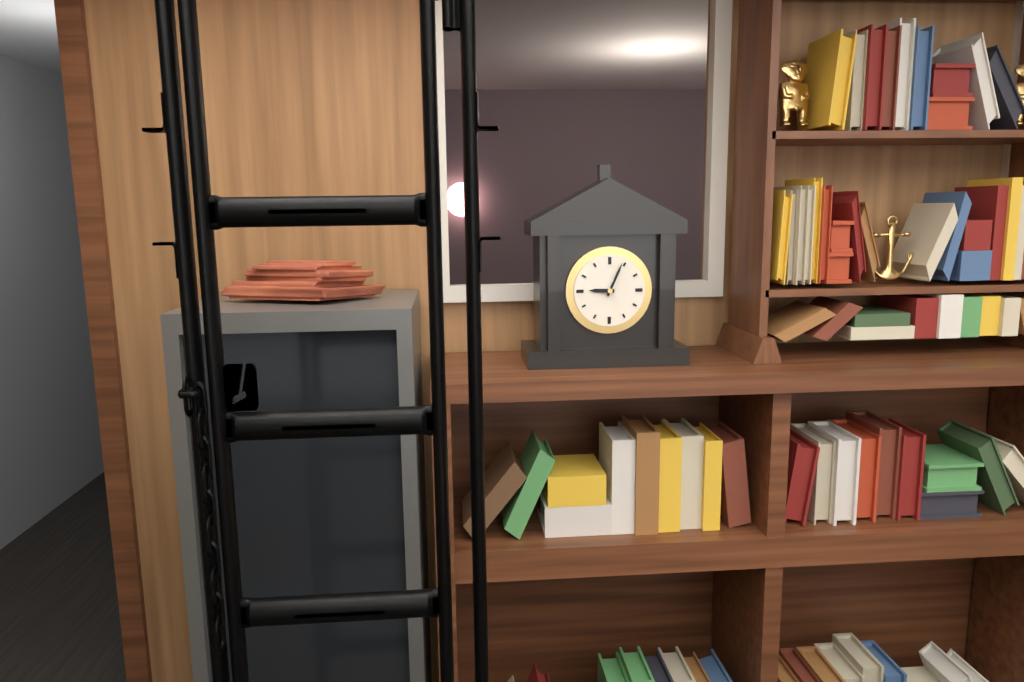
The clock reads h=9 m=4
